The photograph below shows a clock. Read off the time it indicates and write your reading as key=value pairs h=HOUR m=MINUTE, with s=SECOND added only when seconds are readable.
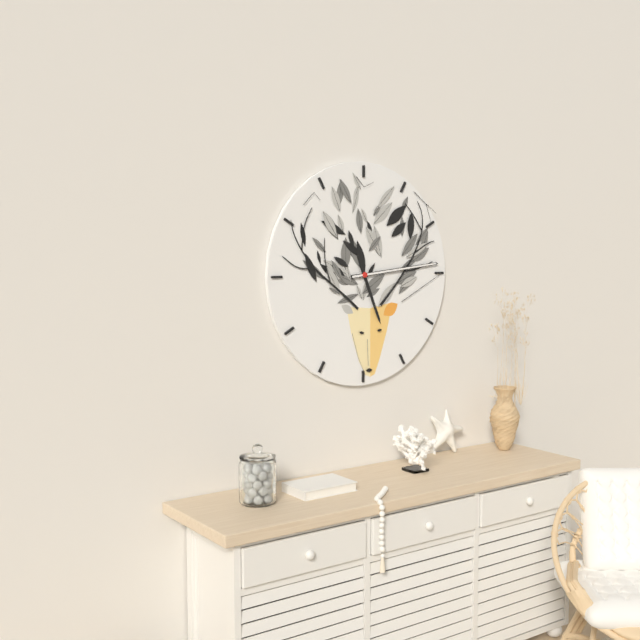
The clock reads h=5 m=14
